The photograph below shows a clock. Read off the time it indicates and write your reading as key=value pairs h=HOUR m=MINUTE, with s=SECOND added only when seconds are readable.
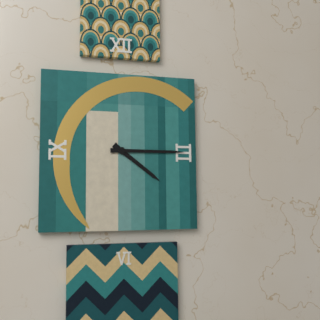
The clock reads h=4 m=15
